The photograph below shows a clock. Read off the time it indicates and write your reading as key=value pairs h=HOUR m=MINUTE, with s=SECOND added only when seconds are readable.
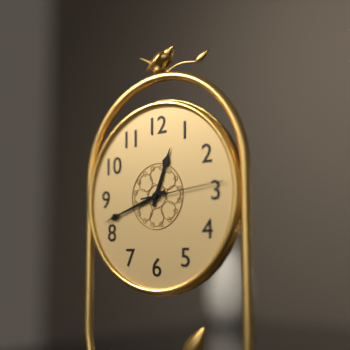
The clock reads h=12 m=42 s=14
